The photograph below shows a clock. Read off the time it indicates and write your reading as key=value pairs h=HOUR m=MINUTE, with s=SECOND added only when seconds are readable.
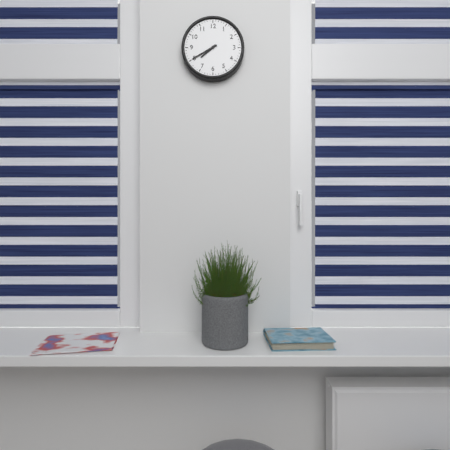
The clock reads h=7 m=40
